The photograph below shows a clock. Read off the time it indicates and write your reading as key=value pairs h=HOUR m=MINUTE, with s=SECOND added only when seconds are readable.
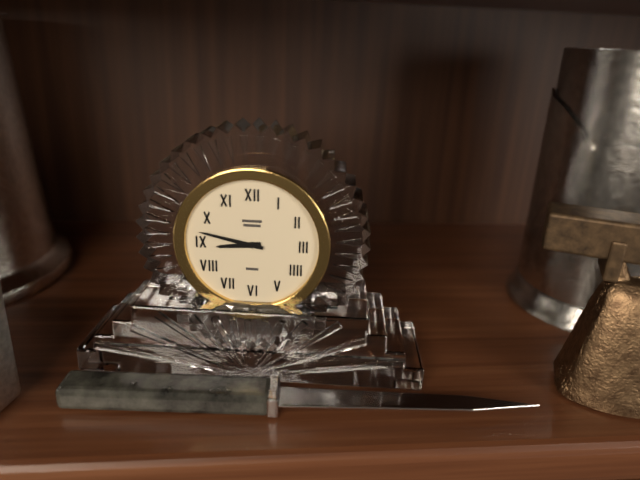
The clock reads h=8 m=47
